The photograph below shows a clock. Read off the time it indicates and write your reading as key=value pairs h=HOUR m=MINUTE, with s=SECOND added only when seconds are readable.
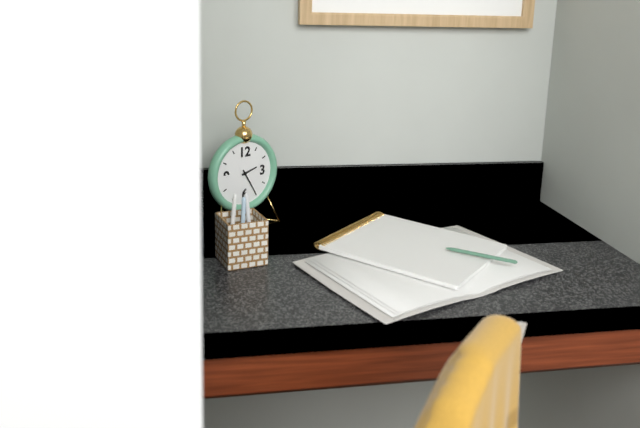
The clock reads h=2 m=25
